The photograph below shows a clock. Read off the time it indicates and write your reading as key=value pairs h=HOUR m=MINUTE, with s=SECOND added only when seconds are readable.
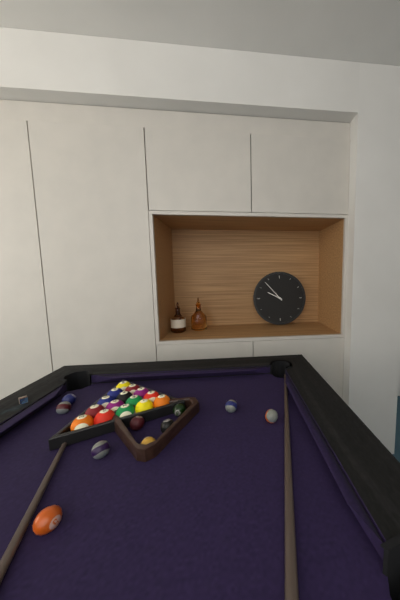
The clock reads h=9 m=53
